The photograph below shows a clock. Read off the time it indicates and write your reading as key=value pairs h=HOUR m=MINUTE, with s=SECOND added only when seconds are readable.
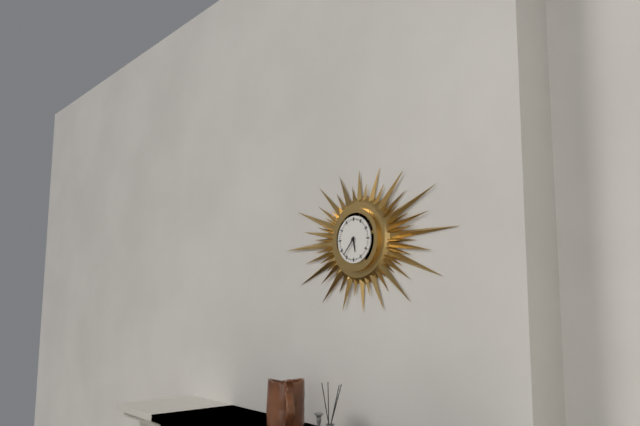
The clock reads h=5 m=37
